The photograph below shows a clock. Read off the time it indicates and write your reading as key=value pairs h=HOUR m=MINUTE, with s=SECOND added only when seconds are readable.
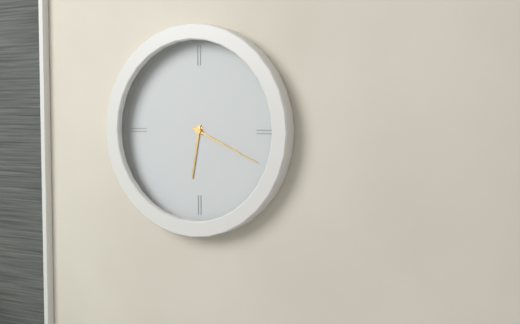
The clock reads h=6 m=19
